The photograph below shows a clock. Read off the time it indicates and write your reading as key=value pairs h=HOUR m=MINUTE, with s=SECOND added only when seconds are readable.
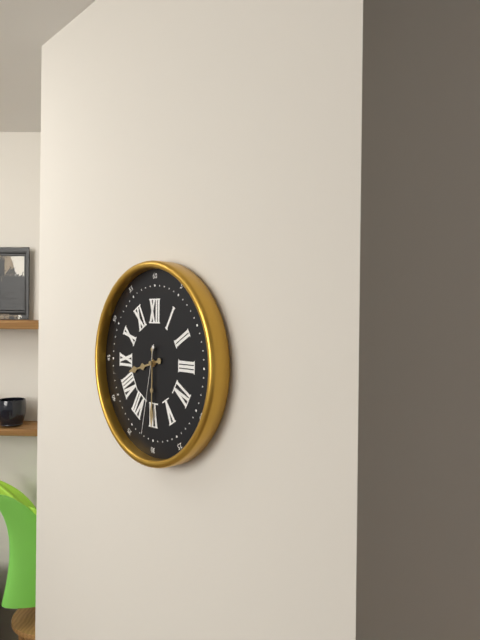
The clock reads h=8 m=30 s=32
